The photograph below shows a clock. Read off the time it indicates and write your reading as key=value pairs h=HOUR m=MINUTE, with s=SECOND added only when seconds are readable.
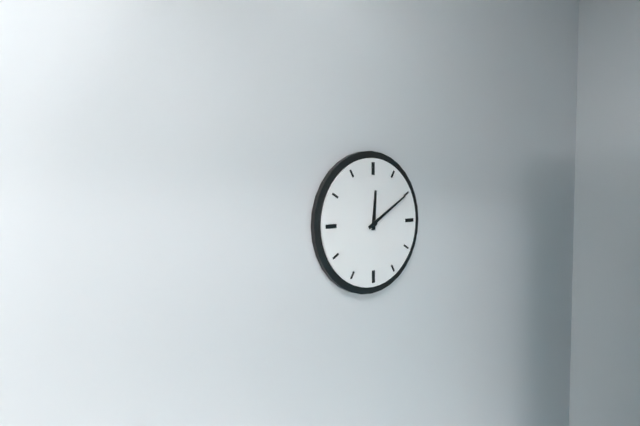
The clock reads h=12 m=10
